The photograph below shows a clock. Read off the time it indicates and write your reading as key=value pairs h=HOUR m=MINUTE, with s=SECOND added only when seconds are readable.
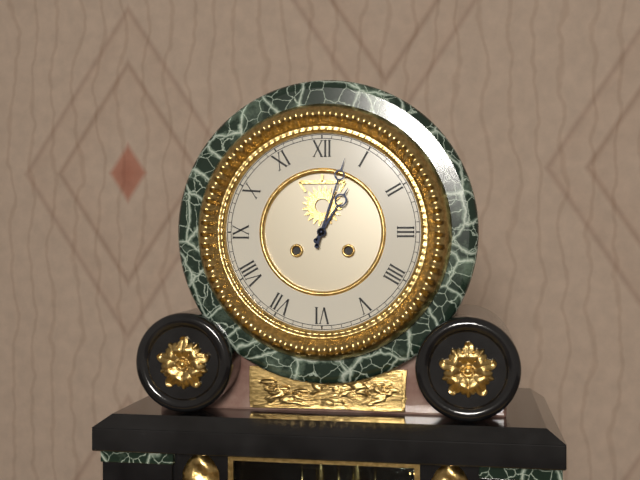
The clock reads h=1 m=3
